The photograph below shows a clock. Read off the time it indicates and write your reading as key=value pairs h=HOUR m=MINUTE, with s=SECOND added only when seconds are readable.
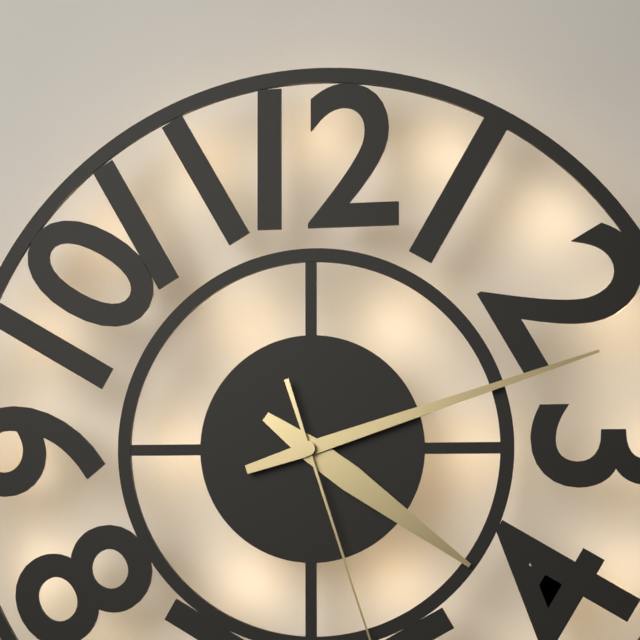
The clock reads h=4 m=12
